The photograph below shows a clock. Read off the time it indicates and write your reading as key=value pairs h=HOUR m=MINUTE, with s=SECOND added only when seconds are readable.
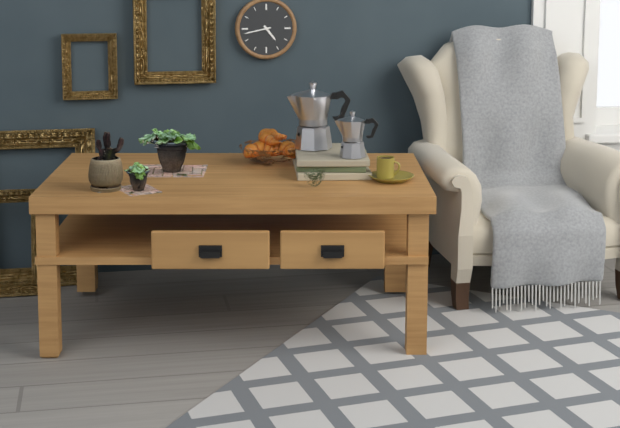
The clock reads h=4 m=43
